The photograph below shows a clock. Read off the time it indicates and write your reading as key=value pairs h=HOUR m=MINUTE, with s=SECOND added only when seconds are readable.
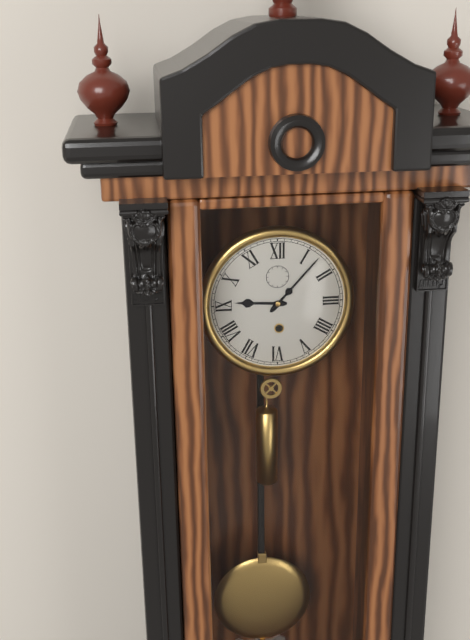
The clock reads h=9 m=7
